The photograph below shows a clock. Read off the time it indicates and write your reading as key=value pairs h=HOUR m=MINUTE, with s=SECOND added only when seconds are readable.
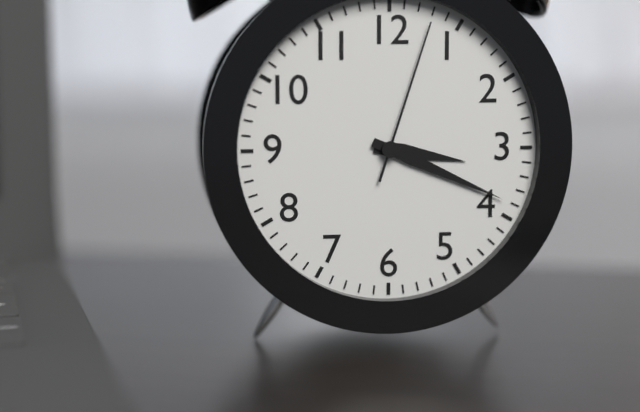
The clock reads h=3 m=19 s=3
